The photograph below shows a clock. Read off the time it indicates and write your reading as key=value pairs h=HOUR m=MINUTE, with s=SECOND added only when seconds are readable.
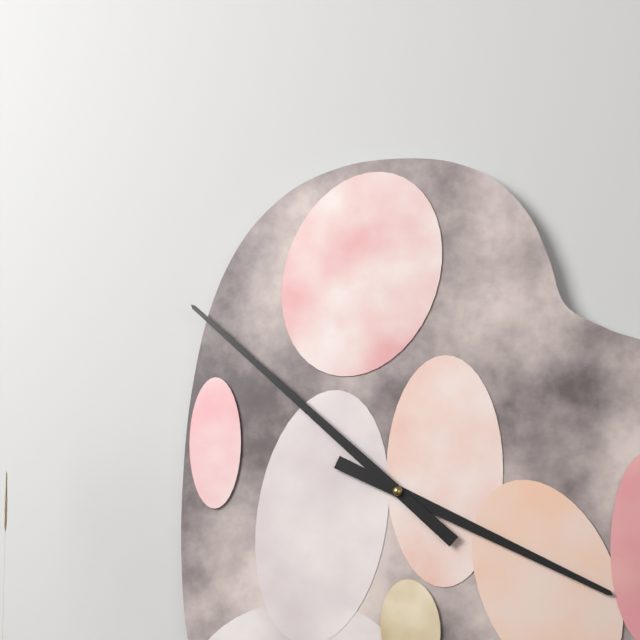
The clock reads h=3 m=52
